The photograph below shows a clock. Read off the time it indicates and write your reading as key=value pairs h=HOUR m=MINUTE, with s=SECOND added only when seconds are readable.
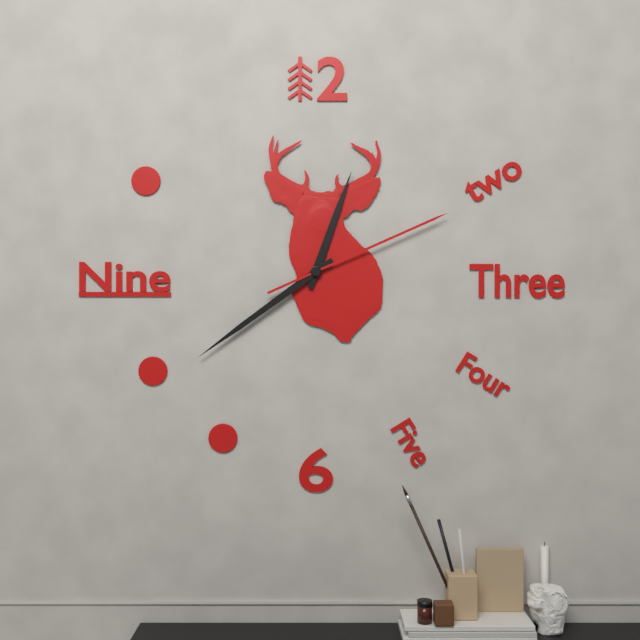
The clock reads h=12 m=39 s=11
